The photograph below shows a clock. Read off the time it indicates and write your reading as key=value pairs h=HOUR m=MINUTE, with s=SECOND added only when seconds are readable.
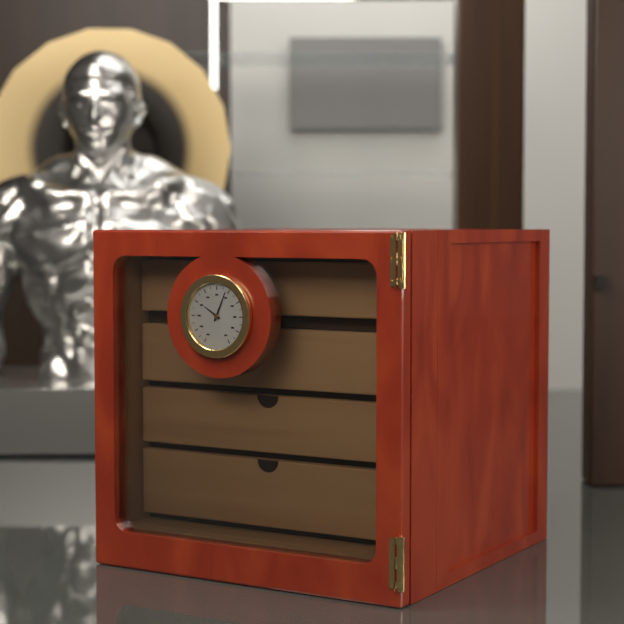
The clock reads h=10 m=4
